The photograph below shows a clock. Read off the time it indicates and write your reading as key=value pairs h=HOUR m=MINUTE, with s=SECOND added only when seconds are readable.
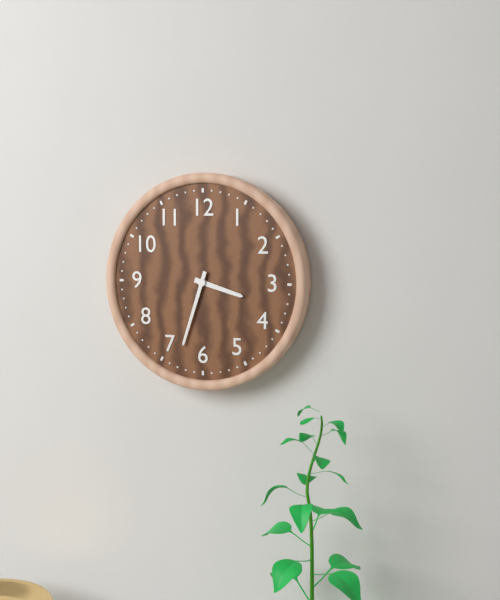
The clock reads h=3 m=33
